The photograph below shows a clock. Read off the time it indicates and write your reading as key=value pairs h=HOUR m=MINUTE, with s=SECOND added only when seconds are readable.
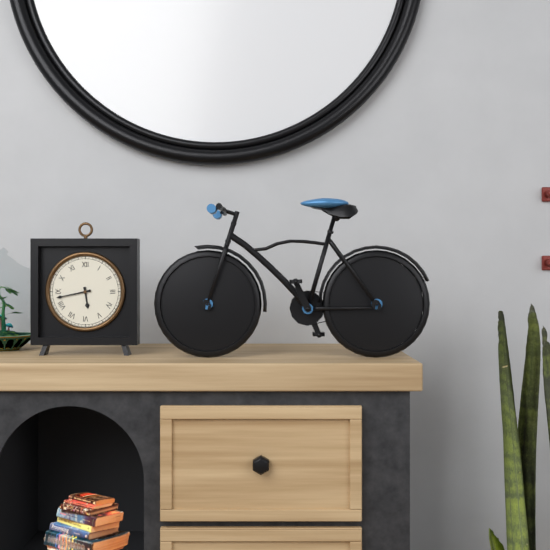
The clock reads h=5 m=43
